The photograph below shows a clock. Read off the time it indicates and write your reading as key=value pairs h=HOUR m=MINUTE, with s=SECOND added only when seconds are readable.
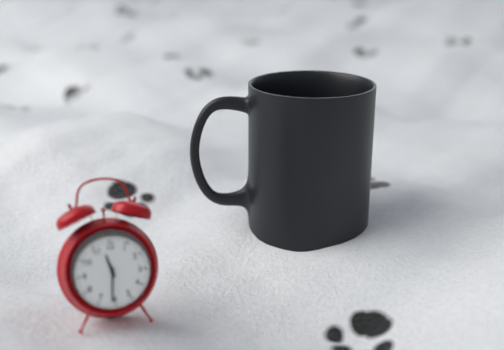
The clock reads h=11 m=31
